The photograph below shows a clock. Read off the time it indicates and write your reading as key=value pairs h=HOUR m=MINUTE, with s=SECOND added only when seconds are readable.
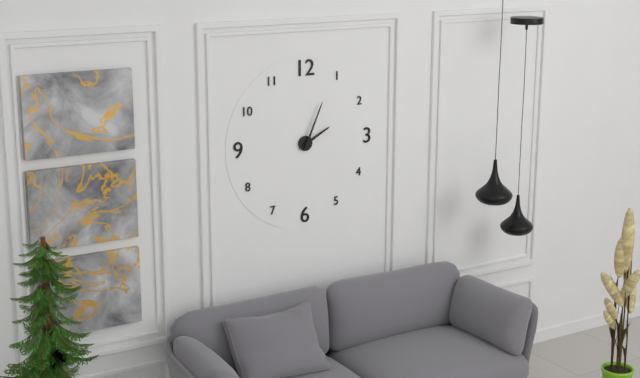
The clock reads h=2 m=4
